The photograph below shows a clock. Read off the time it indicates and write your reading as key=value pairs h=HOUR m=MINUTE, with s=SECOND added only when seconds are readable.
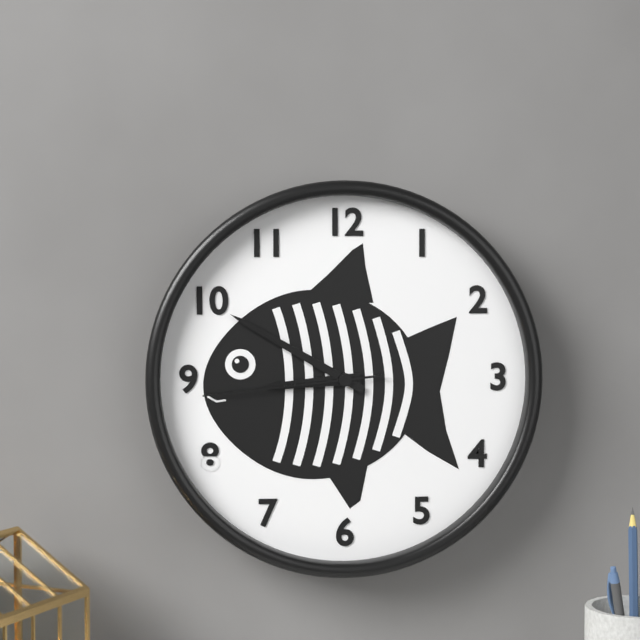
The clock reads h=8 m=50 s=44
